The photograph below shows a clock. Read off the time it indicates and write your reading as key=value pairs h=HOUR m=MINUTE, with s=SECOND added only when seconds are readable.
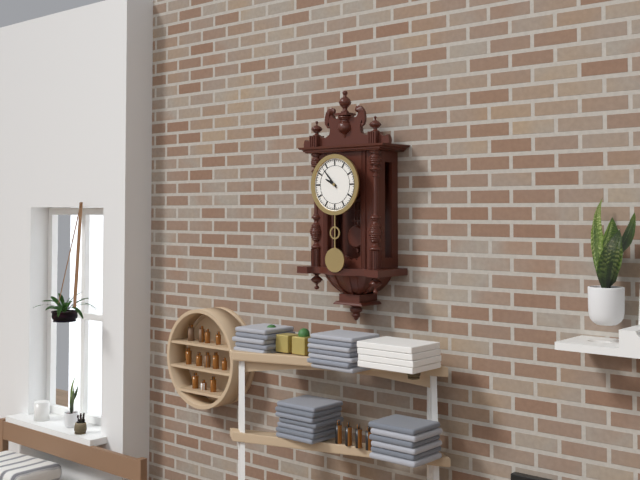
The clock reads h=9 m=53
